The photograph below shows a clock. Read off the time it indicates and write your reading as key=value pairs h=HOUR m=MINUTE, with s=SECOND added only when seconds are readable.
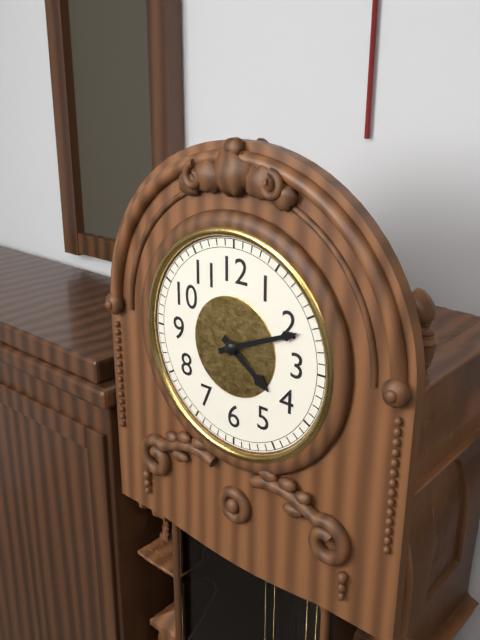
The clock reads h=4 m=11
